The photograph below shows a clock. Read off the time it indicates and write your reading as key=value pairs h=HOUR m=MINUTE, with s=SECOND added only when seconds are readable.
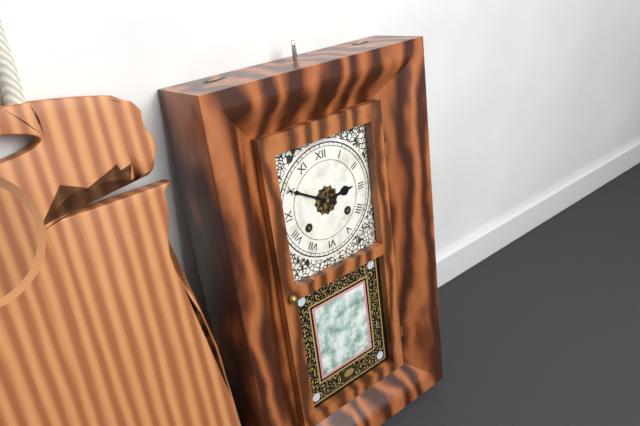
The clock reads h=2 m=50
